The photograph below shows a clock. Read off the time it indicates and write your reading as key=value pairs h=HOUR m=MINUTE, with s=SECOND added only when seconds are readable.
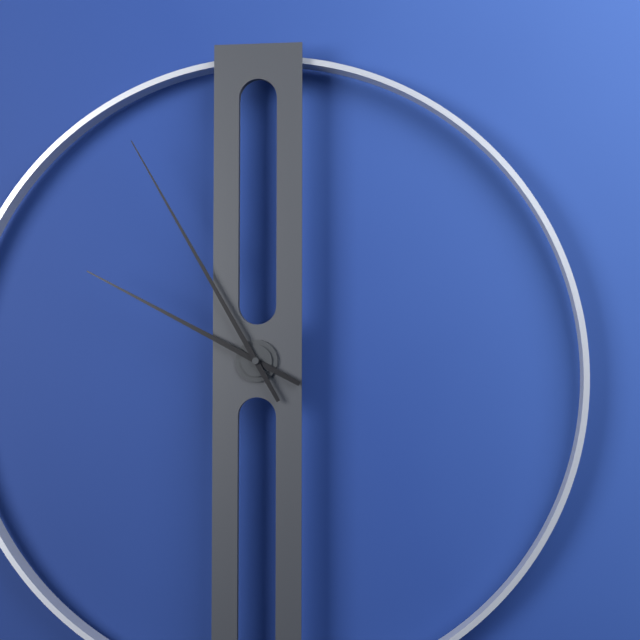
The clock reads h=9 m=55
